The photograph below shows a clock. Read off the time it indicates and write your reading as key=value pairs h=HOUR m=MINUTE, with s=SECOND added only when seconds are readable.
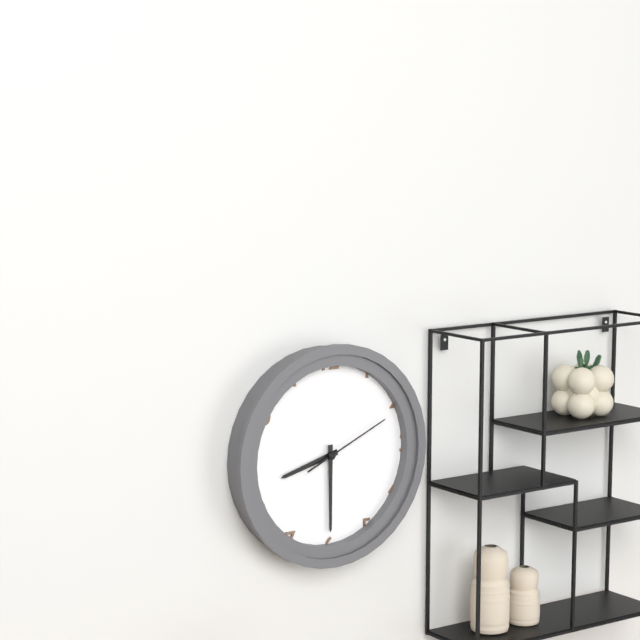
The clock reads h=8 m=30 s=11
